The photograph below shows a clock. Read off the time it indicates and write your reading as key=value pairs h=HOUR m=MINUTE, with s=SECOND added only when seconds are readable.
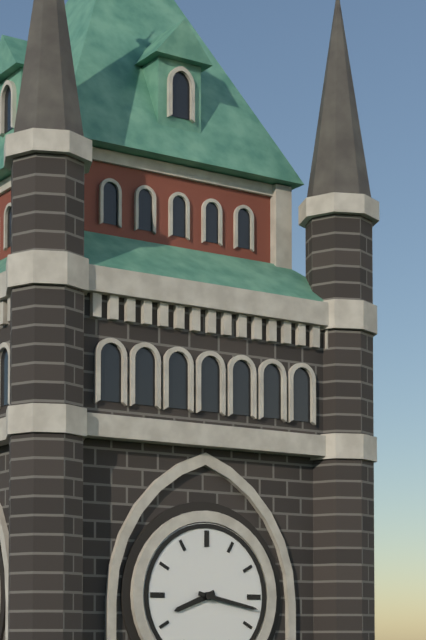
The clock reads h=8 m=17
